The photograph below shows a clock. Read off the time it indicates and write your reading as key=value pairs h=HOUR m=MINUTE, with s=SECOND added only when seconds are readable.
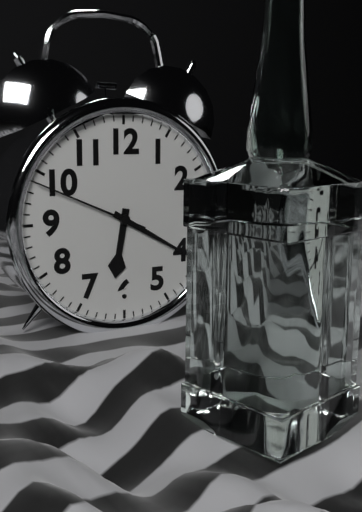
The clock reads h=6 m=20 s=49
